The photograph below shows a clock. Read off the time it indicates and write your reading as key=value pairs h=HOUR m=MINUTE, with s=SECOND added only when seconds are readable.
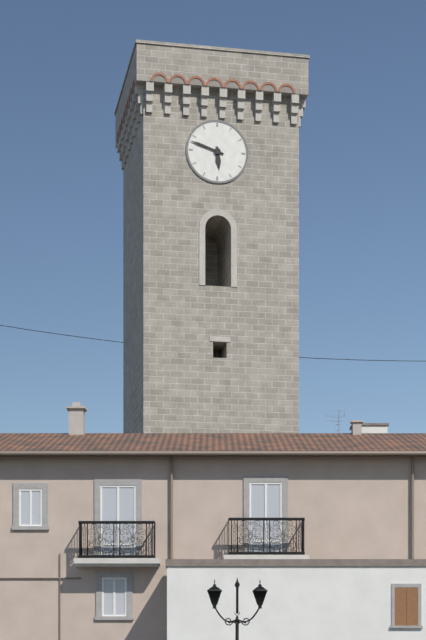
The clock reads h=5 m=48
